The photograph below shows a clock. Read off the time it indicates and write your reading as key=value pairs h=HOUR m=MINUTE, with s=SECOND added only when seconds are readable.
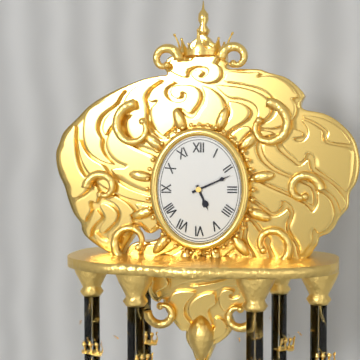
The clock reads h=5 m=11
